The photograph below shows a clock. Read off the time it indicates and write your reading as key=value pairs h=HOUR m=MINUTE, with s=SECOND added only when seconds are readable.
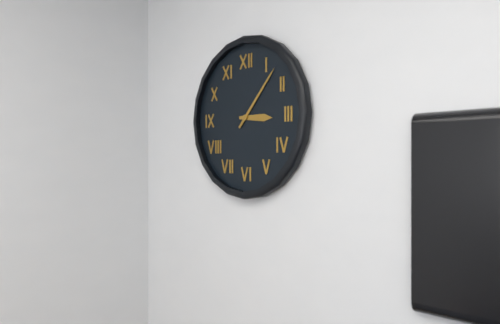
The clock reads h=3 m=7
